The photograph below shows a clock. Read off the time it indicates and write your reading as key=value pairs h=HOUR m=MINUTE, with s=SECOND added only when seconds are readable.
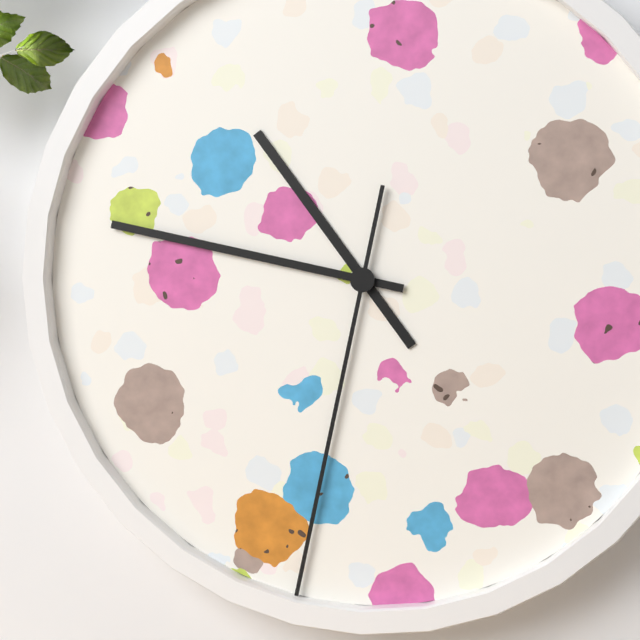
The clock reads h=10 m=47 s=32
